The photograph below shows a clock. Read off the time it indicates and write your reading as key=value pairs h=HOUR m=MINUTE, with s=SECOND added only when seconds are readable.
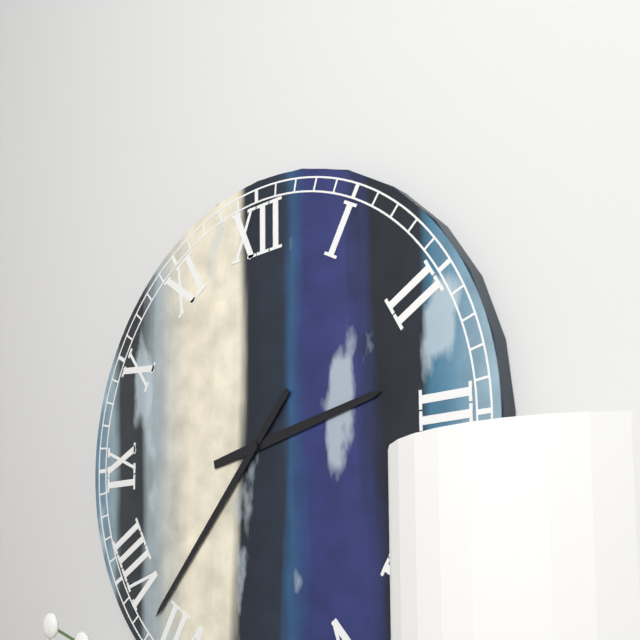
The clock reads h=2 m=37
